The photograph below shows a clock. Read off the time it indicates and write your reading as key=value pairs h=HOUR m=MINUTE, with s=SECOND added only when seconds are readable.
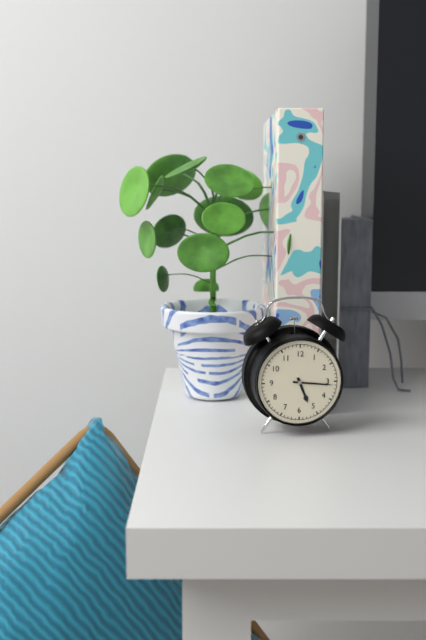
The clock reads h=5 m=16
